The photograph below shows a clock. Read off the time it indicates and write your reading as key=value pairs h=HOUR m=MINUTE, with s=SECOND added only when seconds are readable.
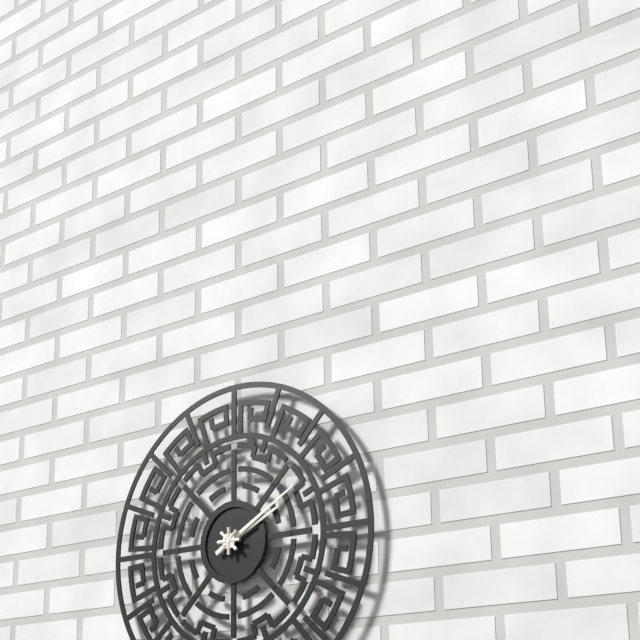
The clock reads h=2 m=10
